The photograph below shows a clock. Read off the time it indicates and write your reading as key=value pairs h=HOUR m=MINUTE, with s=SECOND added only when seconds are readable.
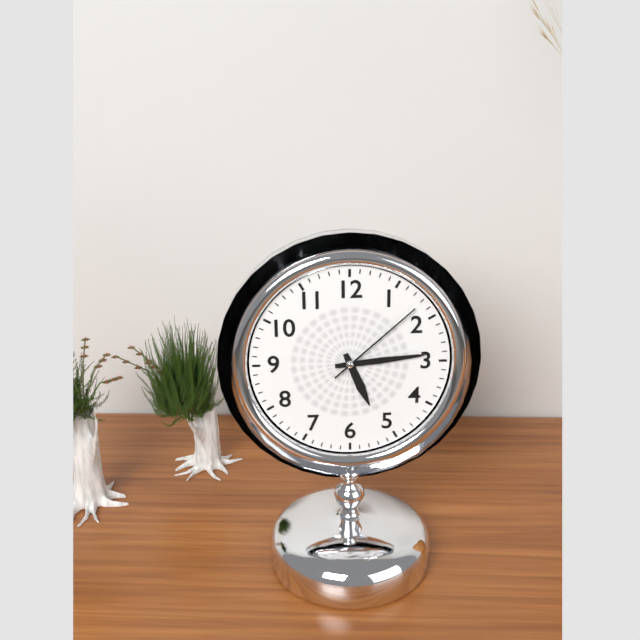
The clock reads h=5 m=14 s=8
